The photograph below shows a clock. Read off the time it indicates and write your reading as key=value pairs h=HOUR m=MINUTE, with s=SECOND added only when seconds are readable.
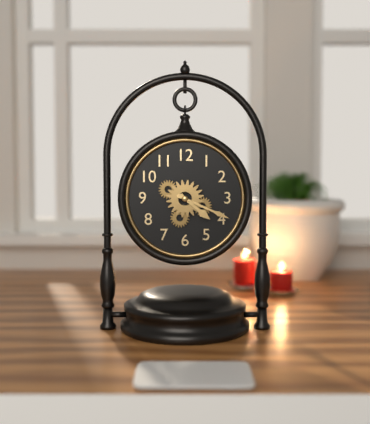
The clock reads h=4 m=19
